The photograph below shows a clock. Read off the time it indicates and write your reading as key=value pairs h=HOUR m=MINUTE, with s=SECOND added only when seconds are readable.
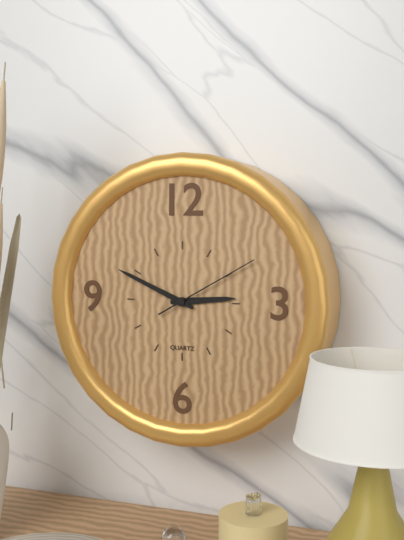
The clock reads h=2 m=49 s=10
